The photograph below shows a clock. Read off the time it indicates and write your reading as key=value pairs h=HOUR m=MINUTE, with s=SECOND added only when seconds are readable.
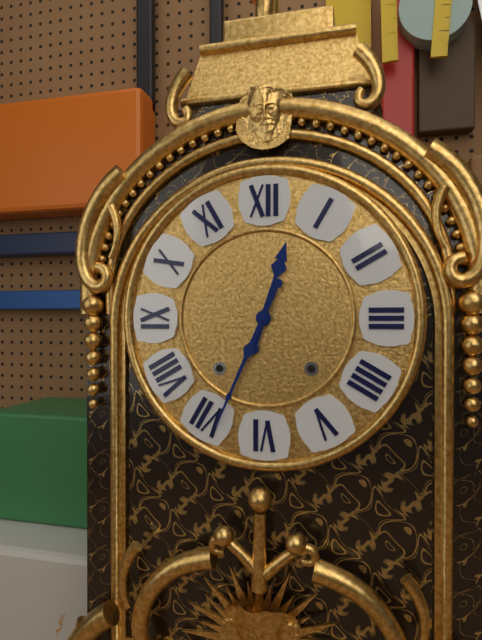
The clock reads h=12 m=34
